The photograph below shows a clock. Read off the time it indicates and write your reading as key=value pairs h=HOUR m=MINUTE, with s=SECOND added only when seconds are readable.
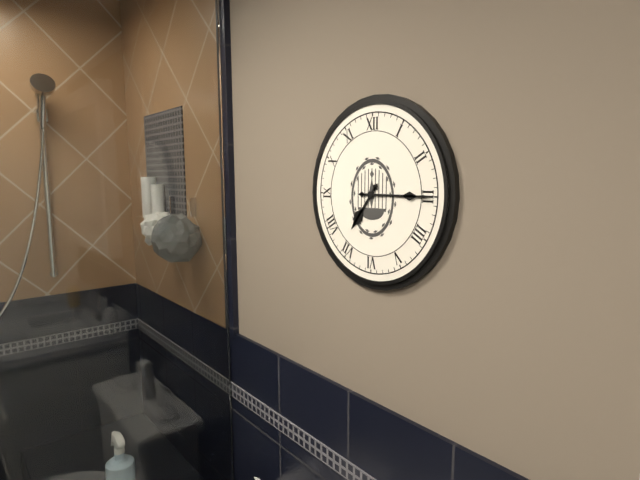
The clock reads h=7 m=15
